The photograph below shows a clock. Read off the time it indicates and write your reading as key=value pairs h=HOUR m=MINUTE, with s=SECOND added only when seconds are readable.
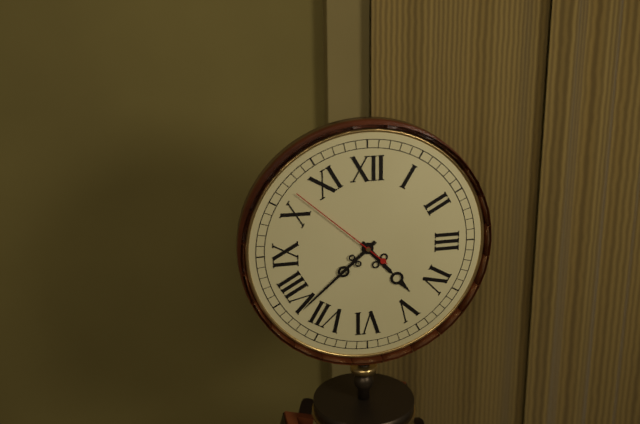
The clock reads h=4 m=38 s=52
